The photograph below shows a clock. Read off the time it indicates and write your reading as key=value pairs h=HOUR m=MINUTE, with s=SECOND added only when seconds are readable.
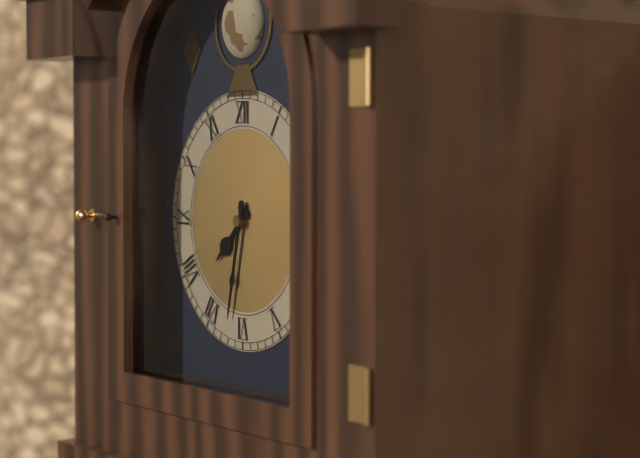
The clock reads h=7 m=32
